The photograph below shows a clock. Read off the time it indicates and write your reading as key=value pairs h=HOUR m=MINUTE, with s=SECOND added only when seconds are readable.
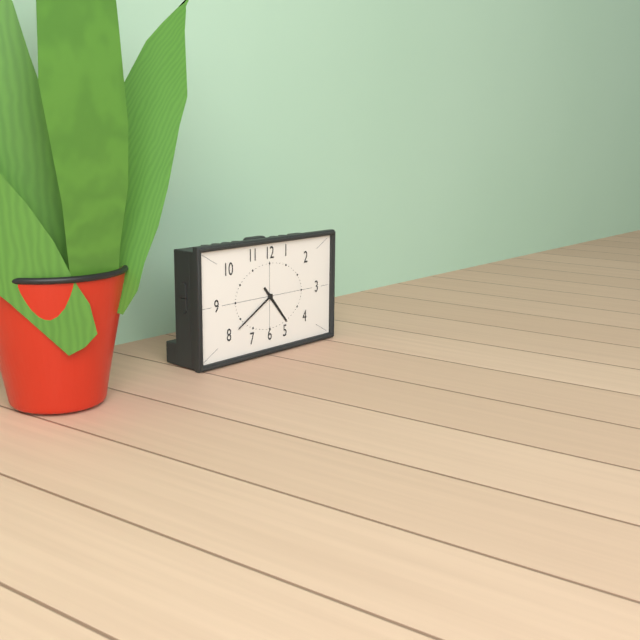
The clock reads h=4 m=40
